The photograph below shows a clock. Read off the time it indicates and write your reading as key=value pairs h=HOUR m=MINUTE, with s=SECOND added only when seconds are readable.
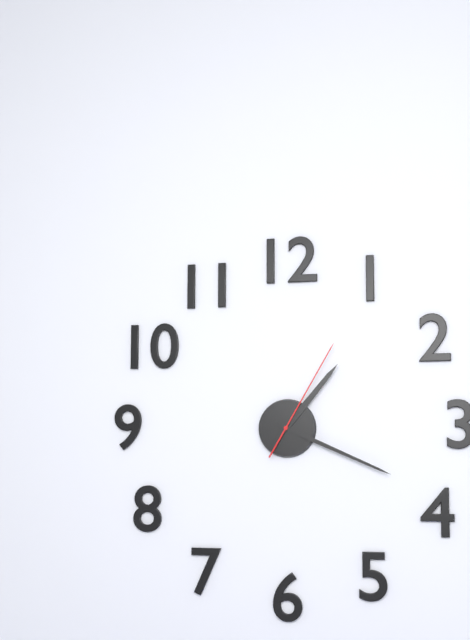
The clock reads h=1 m=19 s=5
